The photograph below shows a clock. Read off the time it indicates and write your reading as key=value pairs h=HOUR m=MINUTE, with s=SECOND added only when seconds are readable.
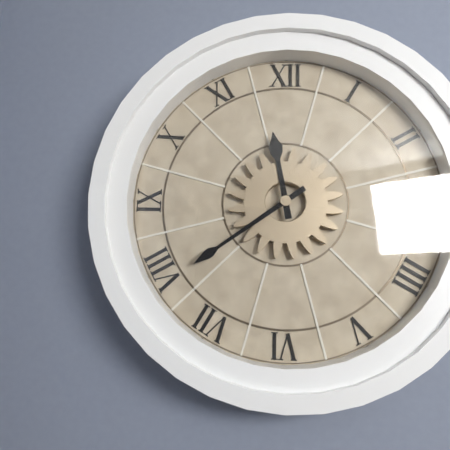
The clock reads h=11 m=39
